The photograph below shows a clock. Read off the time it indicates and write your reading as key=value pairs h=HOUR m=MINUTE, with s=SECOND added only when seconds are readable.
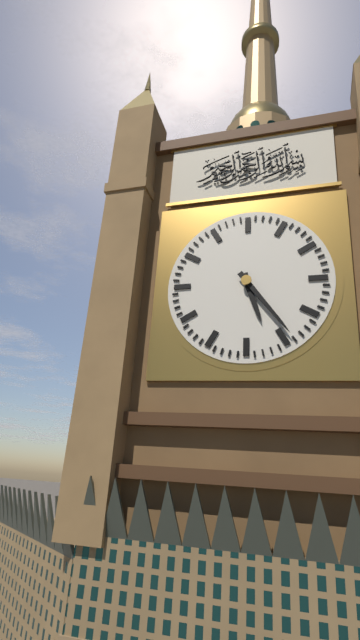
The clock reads h=5 m=24
